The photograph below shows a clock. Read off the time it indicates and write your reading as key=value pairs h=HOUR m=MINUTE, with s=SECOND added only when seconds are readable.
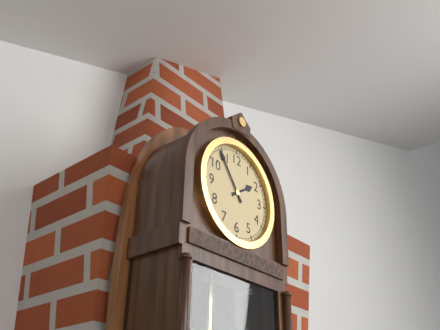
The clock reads h=1 m=54
